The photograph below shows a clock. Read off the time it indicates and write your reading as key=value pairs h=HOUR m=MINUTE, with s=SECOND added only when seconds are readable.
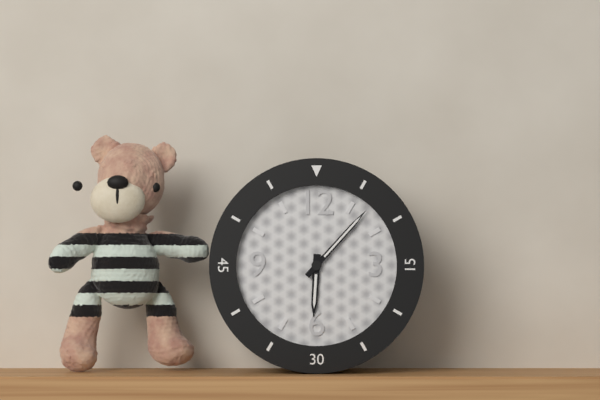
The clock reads h=6 m=7
